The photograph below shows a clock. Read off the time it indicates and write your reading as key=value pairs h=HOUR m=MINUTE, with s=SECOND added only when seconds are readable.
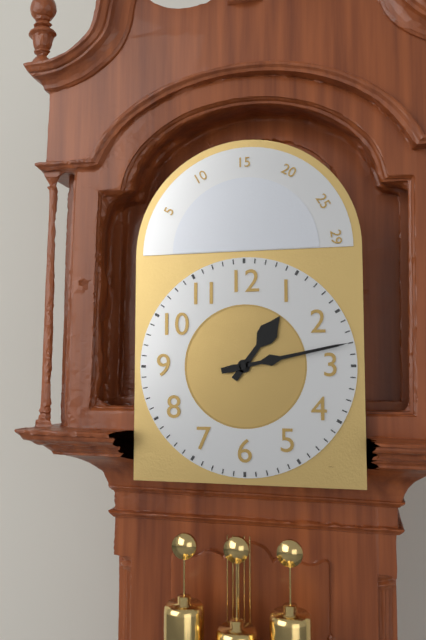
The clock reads h=1 m=13
